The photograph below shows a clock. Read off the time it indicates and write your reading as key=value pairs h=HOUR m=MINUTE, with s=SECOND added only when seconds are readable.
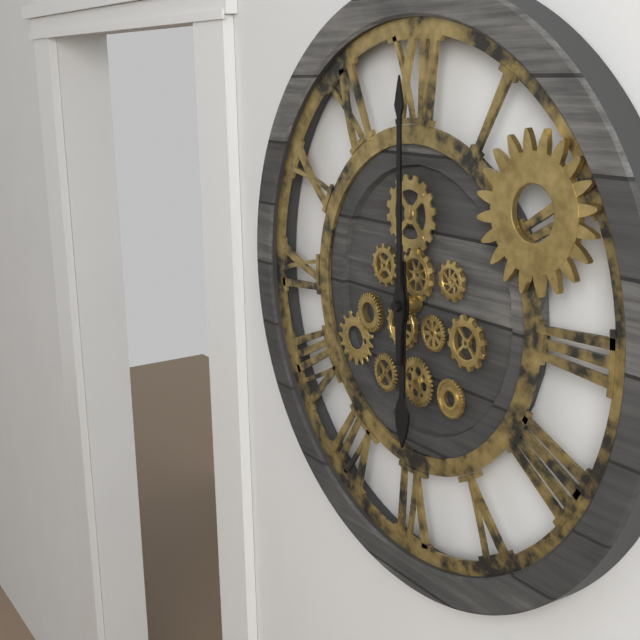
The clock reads h=6 m=0
